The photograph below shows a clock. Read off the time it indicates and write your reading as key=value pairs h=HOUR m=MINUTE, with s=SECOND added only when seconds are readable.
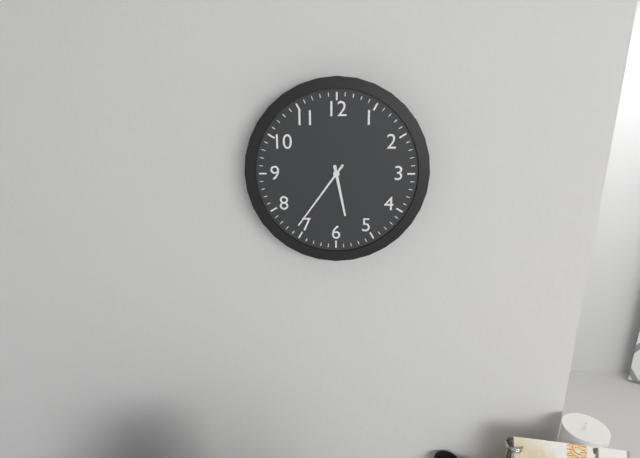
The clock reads h=5 m=36
